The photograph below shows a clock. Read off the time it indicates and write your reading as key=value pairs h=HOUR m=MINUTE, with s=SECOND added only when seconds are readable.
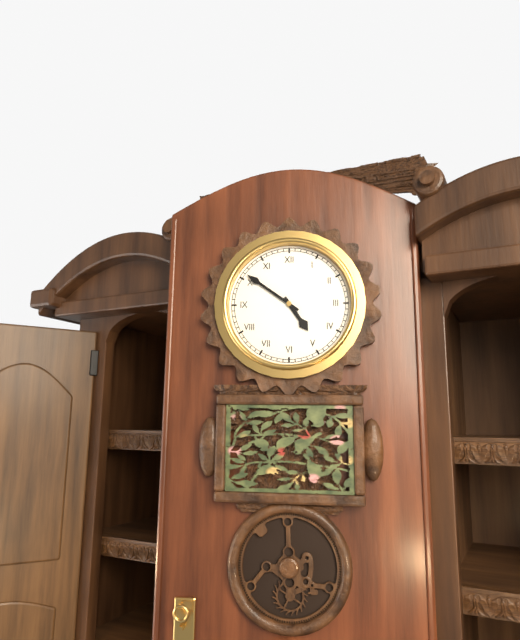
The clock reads h=4 m=51
